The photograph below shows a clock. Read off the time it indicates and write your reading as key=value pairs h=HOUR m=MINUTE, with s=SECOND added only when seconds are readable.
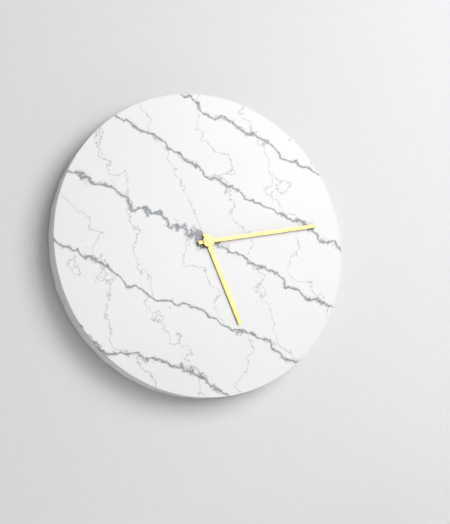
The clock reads h=5 m=13
